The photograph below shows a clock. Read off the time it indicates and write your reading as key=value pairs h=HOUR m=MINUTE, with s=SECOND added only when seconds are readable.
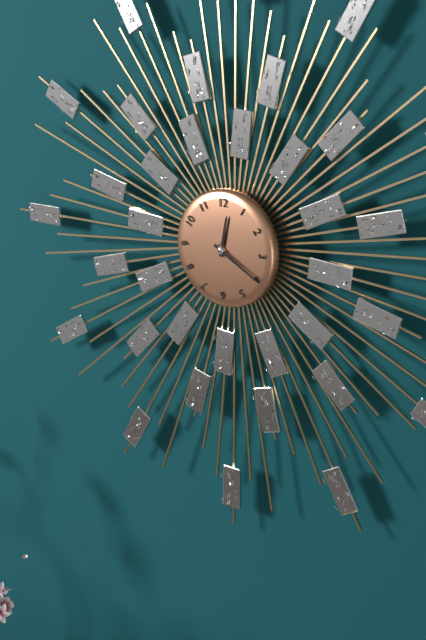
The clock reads h=12 m=20
